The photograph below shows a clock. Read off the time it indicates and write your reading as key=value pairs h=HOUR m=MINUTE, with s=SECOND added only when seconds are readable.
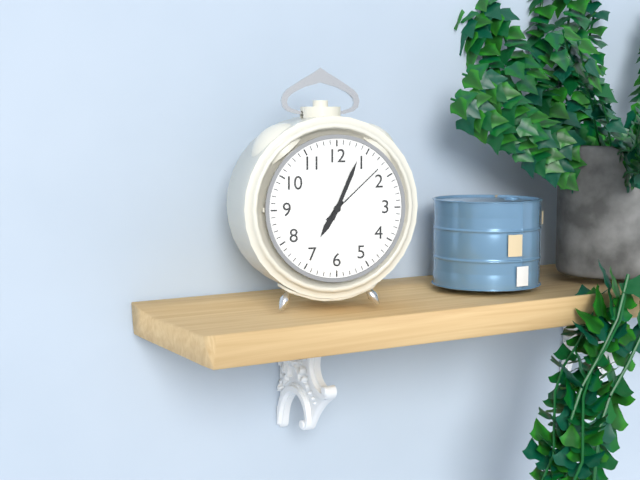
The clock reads h=7 m=4 s=8
